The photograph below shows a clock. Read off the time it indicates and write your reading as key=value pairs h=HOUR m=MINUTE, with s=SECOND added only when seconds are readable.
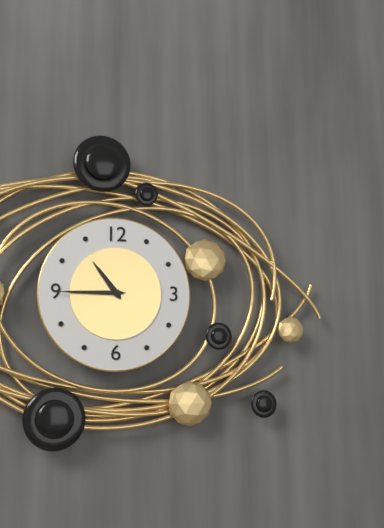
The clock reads h=10 m=45
